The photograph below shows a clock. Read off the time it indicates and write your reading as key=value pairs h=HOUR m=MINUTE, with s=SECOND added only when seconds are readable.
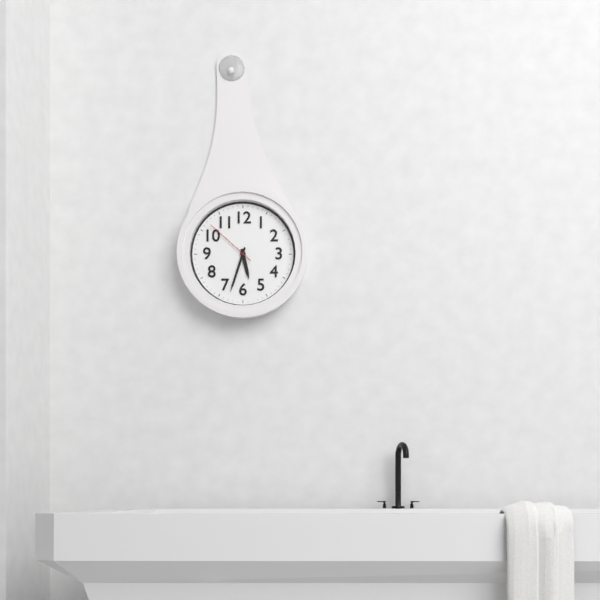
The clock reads h=5 m=33 s=52
